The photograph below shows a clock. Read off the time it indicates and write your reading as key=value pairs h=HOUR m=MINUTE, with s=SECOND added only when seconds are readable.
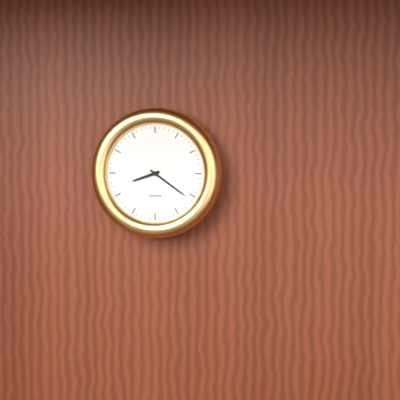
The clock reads h=8 m=21
